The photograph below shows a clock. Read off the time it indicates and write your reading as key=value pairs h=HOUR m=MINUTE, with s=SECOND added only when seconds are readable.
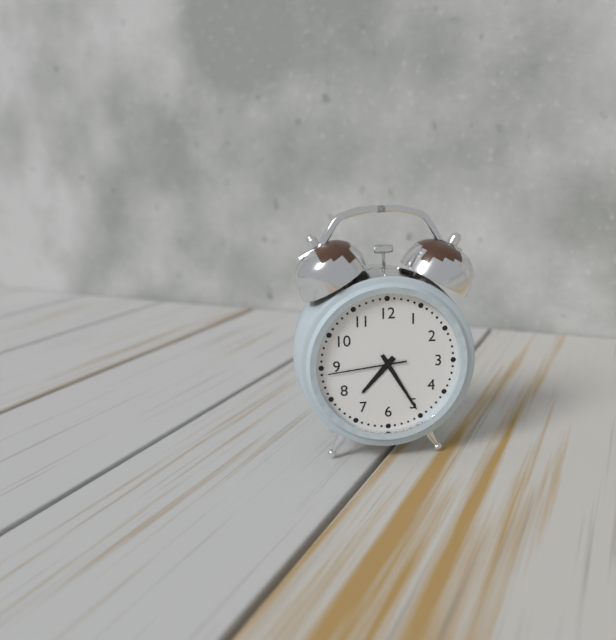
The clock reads h=7 m=25 s=44
